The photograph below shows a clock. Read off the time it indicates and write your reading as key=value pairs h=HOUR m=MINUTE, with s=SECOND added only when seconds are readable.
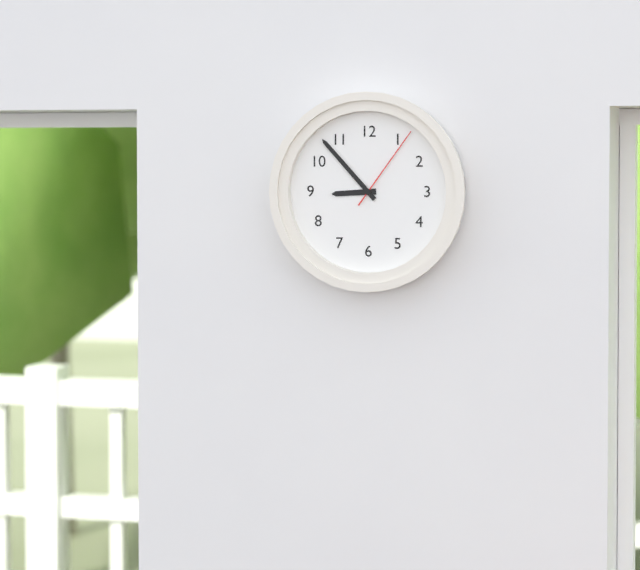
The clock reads h=8 m=53 s=6
